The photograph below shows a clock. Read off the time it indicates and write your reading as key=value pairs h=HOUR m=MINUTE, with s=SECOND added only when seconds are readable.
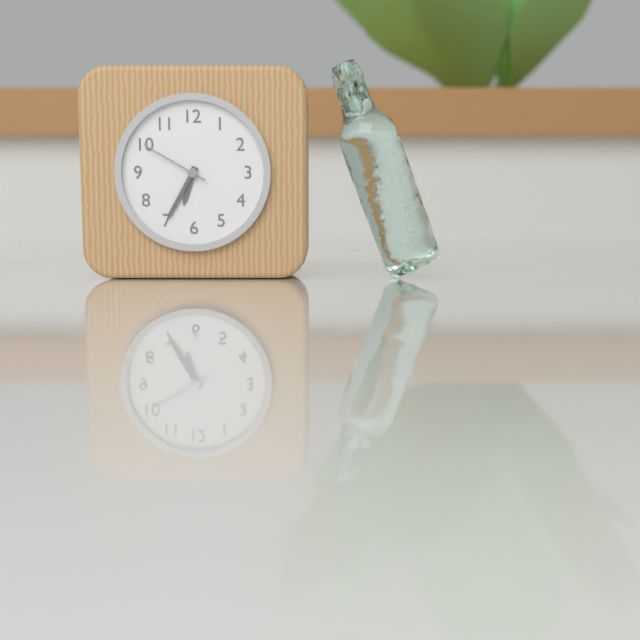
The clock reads h=6 m=35 s=50
